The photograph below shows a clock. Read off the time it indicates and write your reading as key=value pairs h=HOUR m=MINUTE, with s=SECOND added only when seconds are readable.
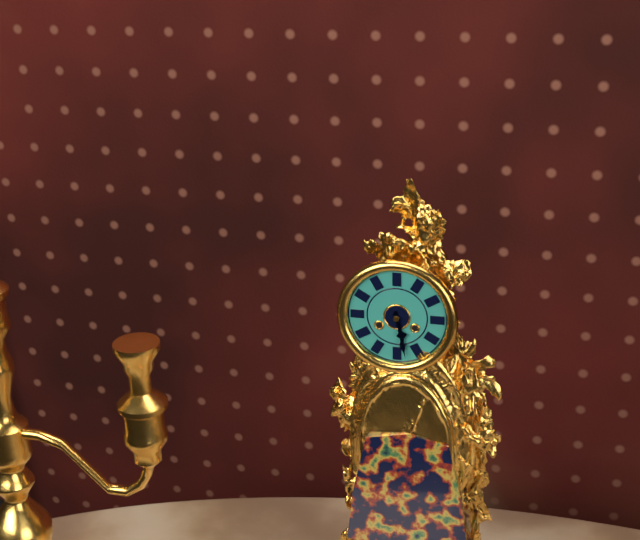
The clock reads h=5 m=28
